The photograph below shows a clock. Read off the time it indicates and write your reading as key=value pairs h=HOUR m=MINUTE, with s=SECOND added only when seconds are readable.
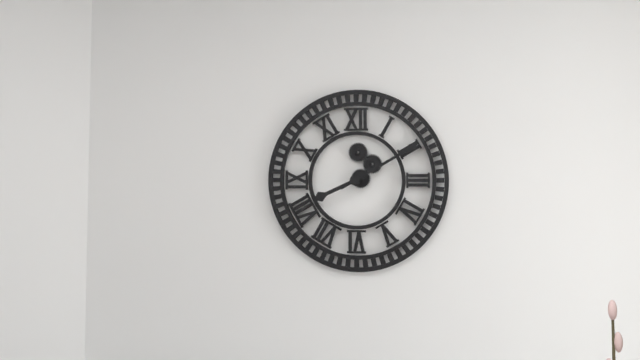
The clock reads h=8 m=10
